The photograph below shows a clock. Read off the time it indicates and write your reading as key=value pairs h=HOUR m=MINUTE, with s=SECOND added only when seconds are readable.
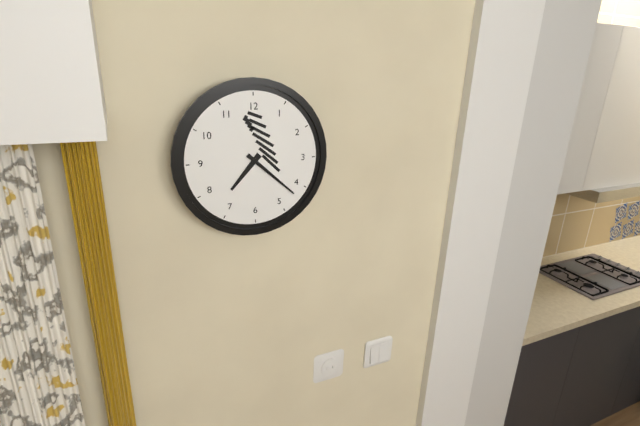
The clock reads h=7 m=22
